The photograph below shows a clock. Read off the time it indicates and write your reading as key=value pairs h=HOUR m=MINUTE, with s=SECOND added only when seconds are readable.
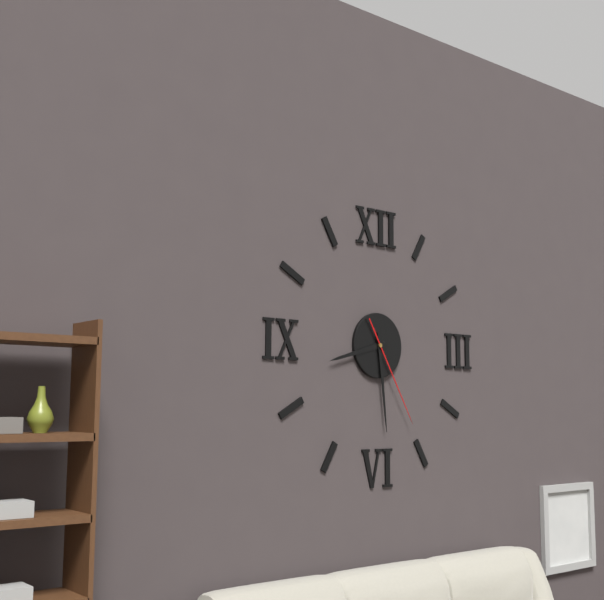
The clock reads h=8 m=29 s=25
